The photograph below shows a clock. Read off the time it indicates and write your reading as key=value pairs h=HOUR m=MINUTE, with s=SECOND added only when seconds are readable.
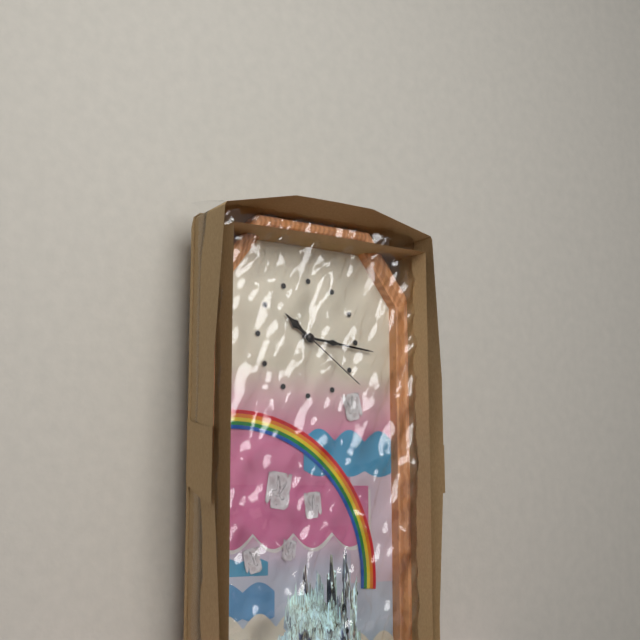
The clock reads h=10 m=16 s=21
